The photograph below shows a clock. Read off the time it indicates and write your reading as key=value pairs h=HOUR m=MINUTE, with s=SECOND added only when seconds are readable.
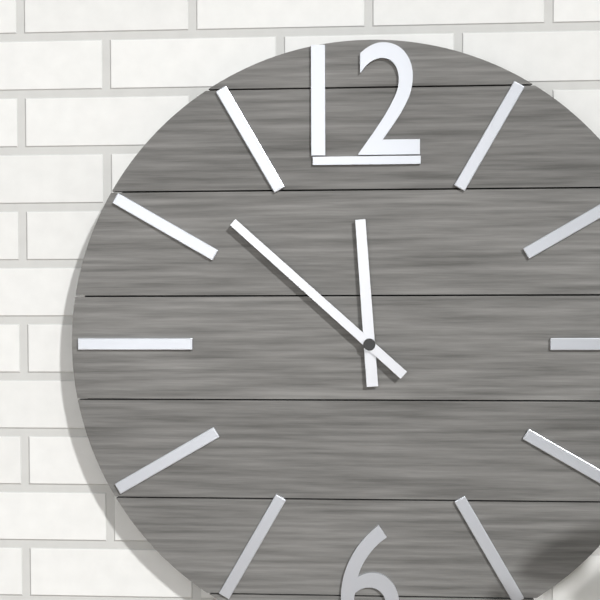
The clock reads h=11 m=52
